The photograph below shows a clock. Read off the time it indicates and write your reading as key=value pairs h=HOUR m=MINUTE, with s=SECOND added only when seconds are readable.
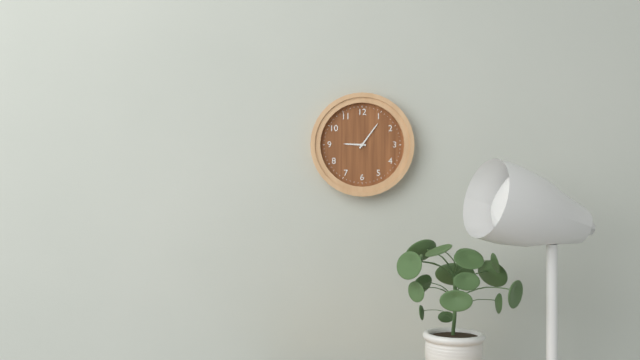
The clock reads h=9 m=6
